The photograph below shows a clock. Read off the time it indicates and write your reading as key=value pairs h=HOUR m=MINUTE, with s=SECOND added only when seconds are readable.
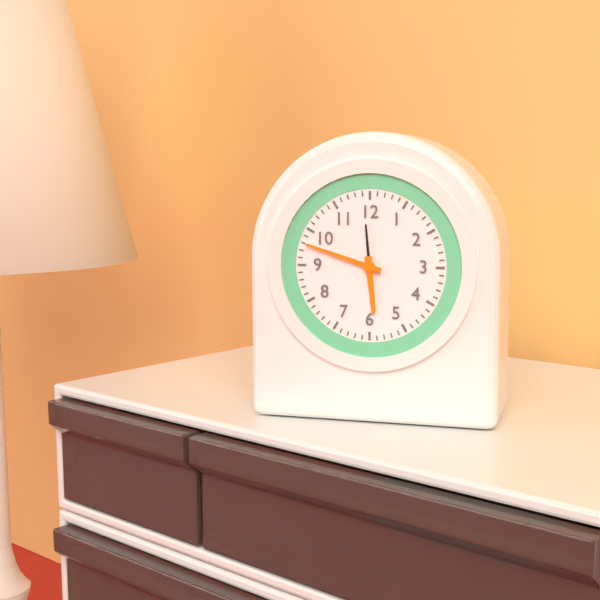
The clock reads h=5 m=48
